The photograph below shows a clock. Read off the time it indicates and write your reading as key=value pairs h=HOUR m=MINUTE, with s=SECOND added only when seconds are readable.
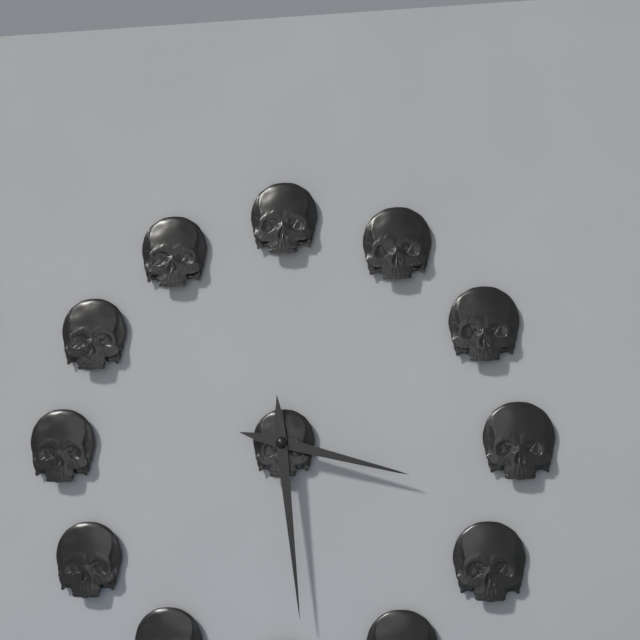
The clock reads h=3 m=29
